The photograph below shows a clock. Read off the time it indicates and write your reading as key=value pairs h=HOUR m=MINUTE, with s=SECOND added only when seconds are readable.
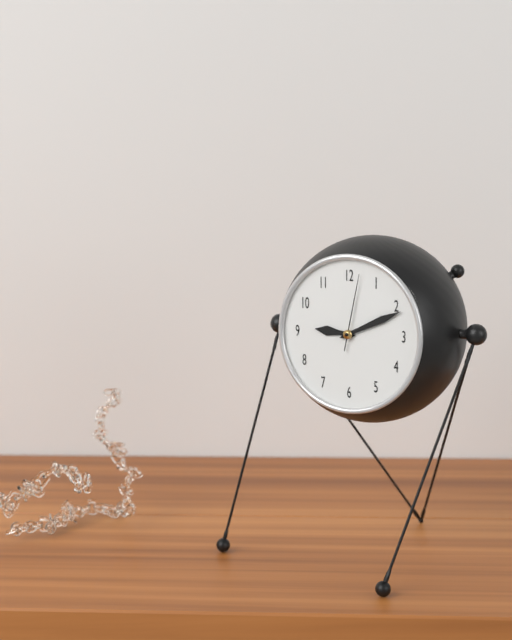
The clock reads h=9 m=11 s=2
